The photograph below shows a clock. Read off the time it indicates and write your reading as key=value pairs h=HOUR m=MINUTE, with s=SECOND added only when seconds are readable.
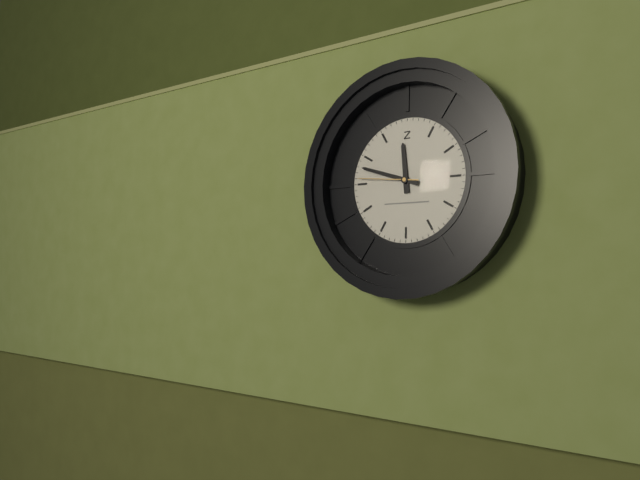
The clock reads h=11 m=48 s=46
